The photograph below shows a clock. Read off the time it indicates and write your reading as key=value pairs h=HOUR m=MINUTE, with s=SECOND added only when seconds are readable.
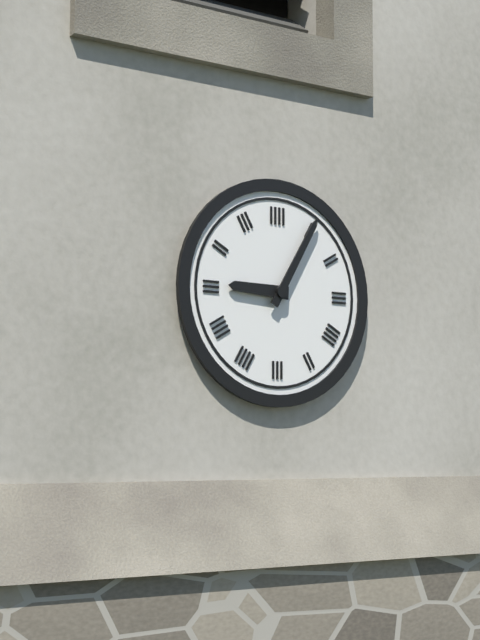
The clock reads h=9 m=5
